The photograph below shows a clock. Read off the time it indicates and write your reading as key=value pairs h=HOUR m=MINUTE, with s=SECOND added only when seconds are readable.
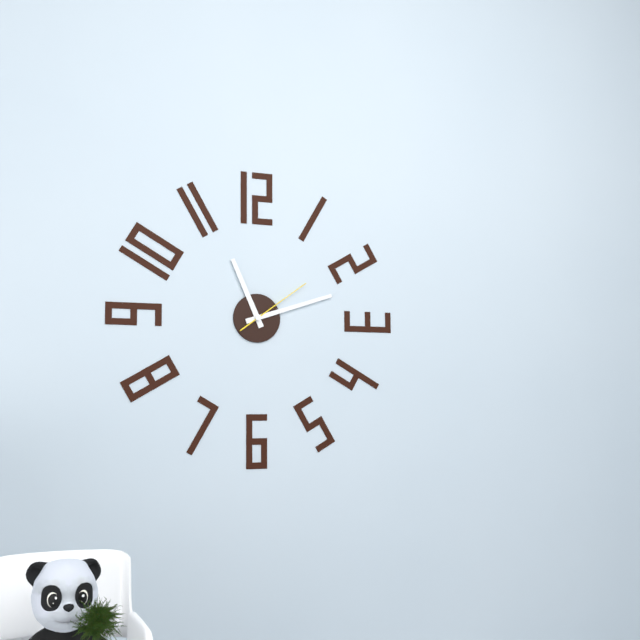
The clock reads h=11 m=12 s=9
